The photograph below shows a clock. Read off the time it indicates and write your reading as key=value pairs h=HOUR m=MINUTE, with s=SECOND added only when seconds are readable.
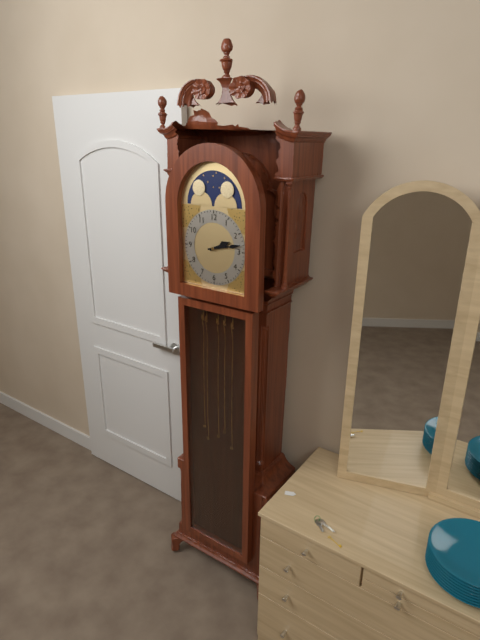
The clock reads h=2 m=13
